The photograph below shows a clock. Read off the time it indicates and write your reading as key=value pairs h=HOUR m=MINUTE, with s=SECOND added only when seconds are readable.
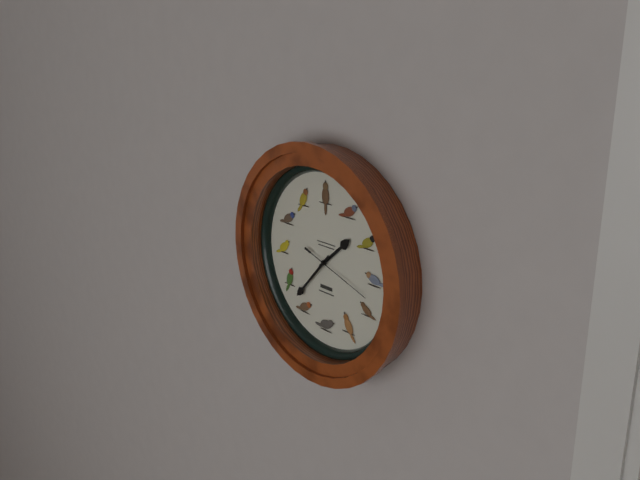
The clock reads h=1 m=37 s=18
